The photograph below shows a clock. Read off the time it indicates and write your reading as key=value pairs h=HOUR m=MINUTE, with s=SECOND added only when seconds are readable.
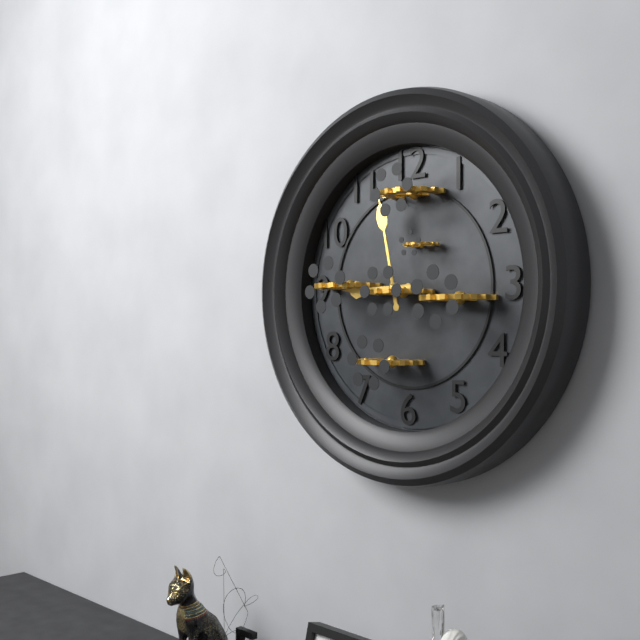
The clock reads h=8 m=58
